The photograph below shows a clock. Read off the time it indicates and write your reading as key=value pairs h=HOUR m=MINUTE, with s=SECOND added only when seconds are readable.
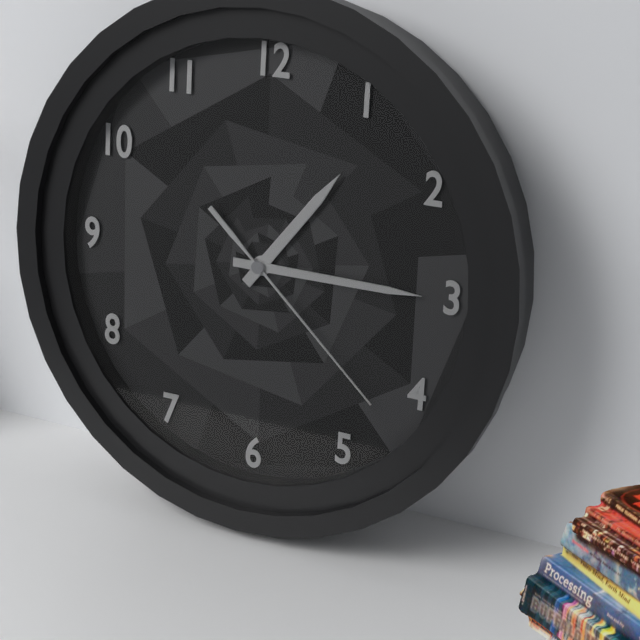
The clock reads h=1 m=15 s=22
